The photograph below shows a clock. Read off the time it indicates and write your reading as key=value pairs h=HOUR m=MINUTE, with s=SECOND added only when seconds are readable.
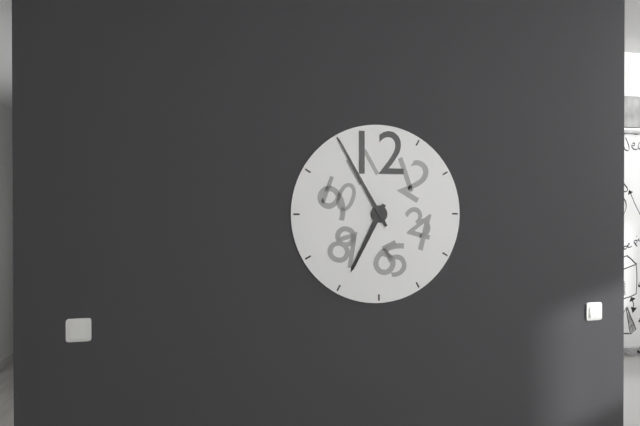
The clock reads h=6 m=55
